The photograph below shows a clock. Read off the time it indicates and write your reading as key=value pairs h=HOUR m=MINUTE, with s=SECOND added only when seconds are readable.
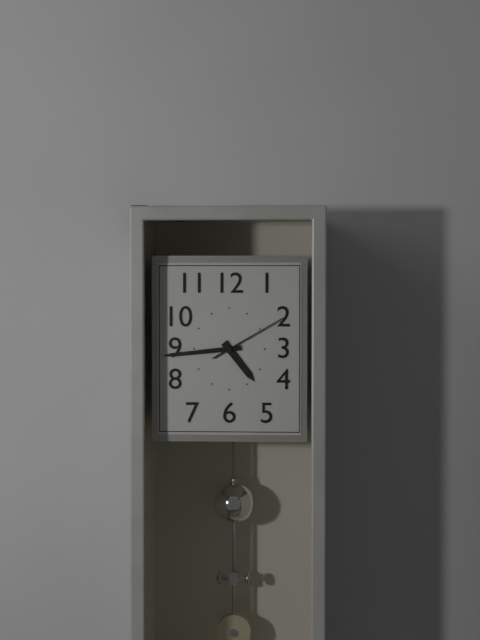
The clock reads h=4 m=44 s=10
